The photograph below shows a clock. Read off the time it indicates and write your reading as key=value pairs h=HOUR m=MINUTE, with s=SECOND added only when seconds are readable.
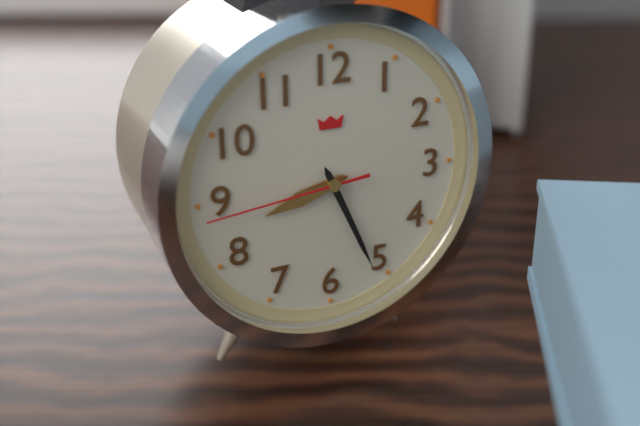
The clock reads h=8 m=26 s=44
